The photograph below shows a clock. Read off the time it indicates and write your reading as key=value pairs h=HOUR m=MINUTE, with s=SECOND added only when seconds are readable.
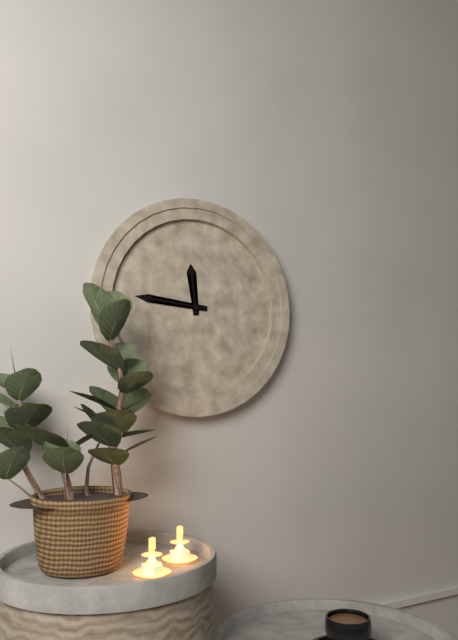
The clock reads h=11 m=46
